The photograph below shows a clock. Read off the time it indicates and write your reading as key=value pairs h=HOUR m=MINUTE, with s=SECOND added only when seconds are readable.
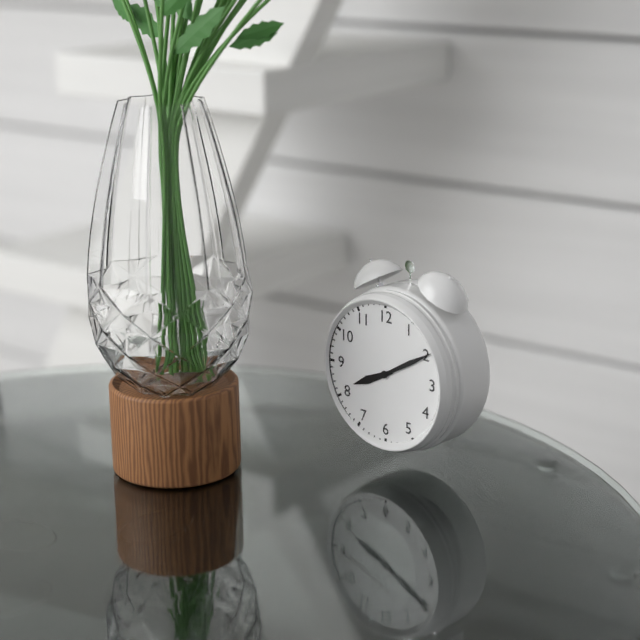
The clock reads h=8 m=10
